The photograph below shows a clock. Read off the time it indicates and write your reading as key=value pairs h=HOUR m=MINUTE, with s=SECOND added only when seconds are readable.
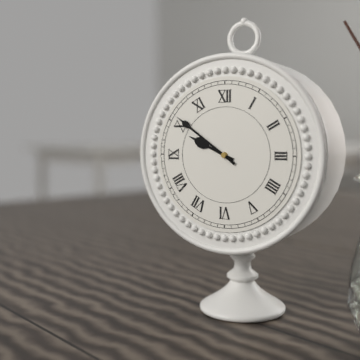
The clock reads h=9 m=51
